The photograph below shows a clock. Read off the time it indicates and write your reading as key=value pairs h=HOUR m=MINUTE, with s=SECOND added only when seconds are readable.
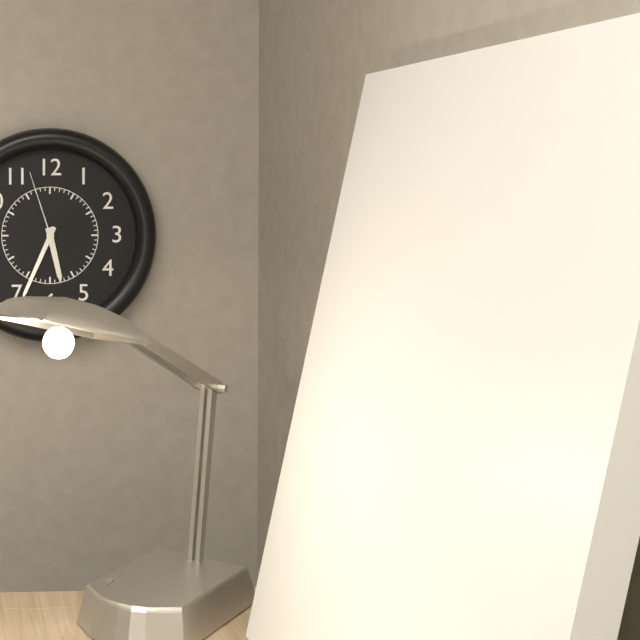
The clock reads h=5 m=34 s=57
